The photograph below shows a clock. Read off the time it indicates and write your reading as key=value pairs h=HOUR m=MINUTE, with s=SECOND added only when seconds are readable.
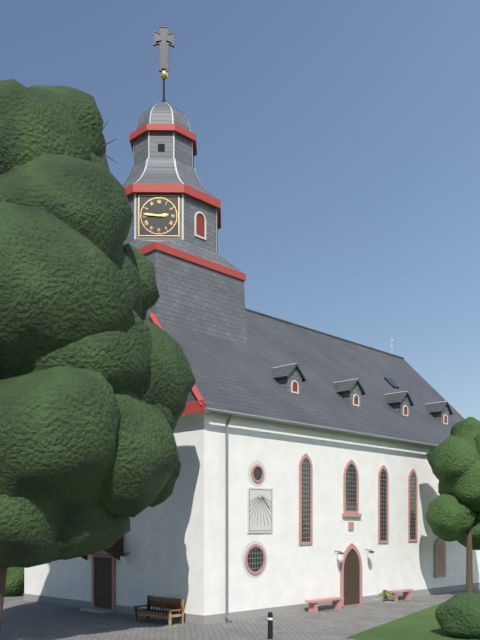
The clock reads h=2 m=46
